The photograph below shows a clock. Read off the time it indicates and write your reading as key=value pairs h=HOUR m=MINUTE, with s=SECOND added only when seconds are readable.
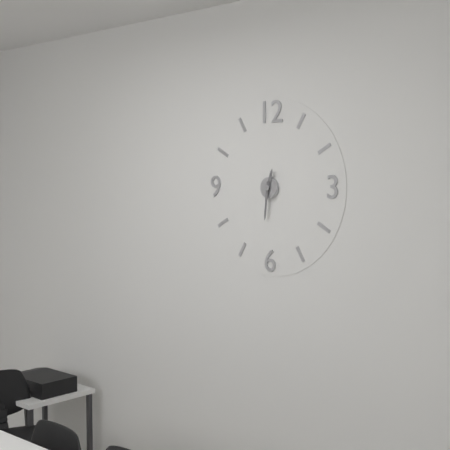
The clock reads h=12 m=31
